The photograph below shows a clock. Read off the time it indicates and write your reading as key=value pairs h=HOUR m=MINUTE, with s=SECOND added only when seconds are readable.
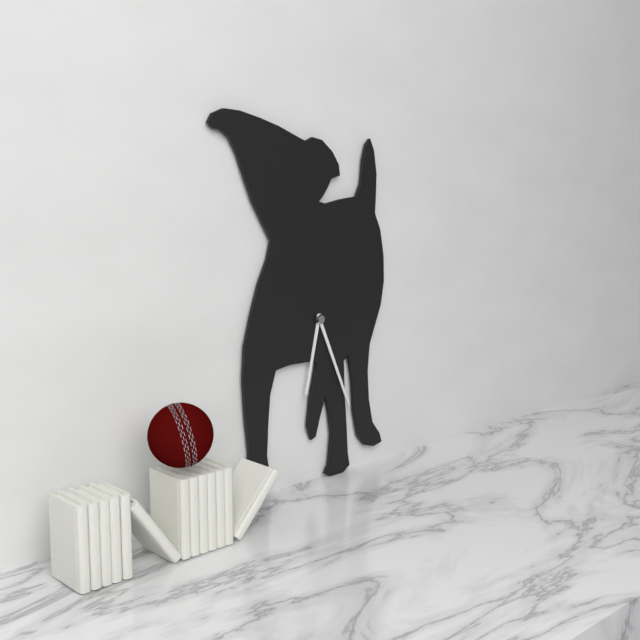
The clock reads h=6 m=26
